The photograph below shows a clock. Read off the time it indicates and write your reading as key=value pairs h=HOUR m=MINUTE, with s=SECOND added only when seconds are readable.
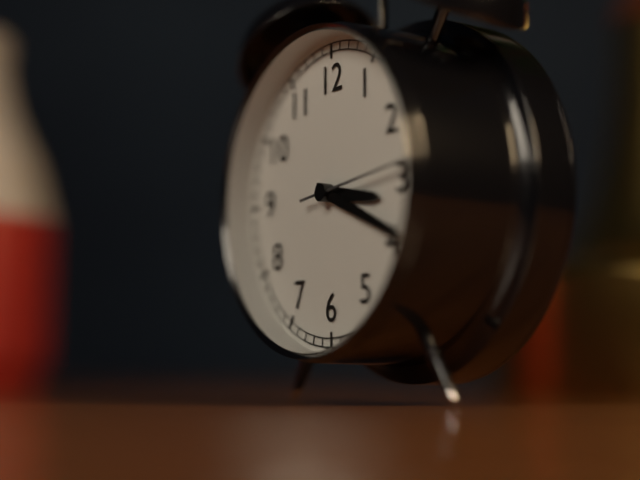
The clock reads h=3 m=19 s=14
